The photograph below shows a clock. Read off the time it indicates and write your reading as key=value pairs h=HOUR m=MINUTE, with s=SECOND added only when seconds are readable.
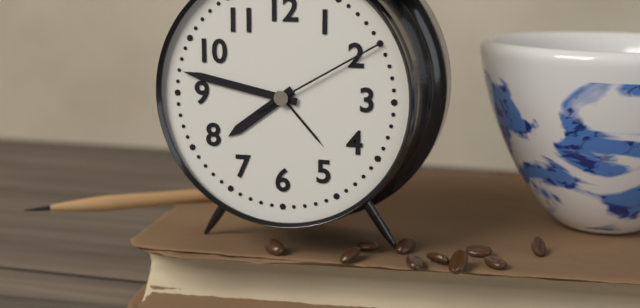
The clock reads h=7 m=47 s=10
